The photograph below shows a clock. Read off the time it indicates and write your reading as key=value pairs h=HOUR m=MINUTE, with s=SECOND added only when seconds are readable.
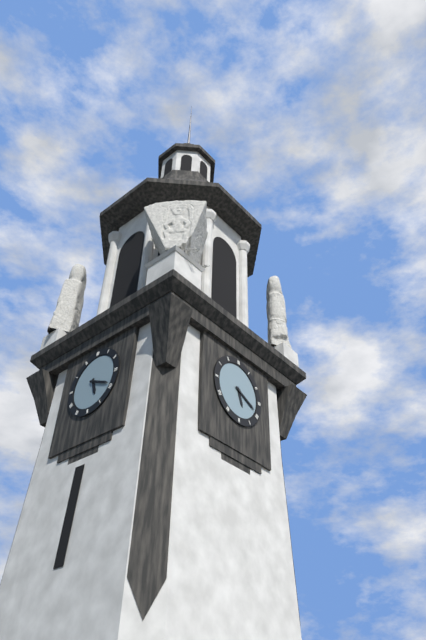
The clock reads h=5 m=19
